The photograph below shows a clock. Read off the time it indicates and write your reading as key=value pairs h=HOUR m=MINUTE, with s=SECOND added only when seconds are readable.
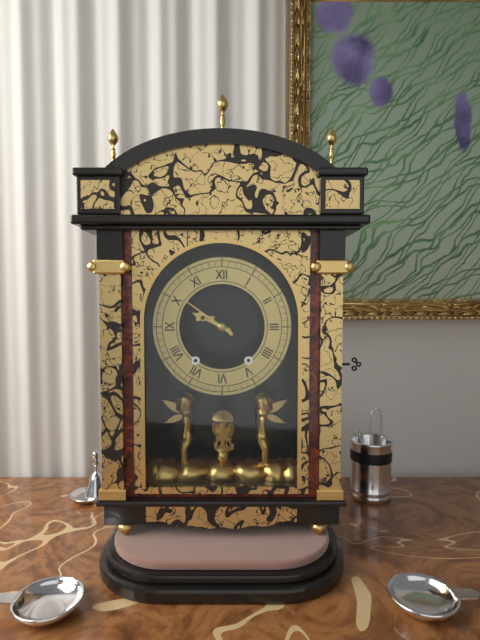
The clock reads h=9 m=51
